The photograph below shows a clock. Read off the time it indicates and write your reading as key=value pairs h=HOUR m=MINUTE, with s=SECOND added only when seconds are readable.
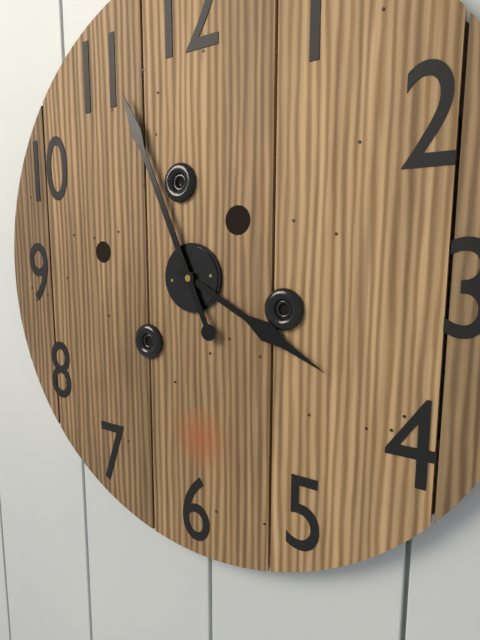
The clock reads h=3 m=56
